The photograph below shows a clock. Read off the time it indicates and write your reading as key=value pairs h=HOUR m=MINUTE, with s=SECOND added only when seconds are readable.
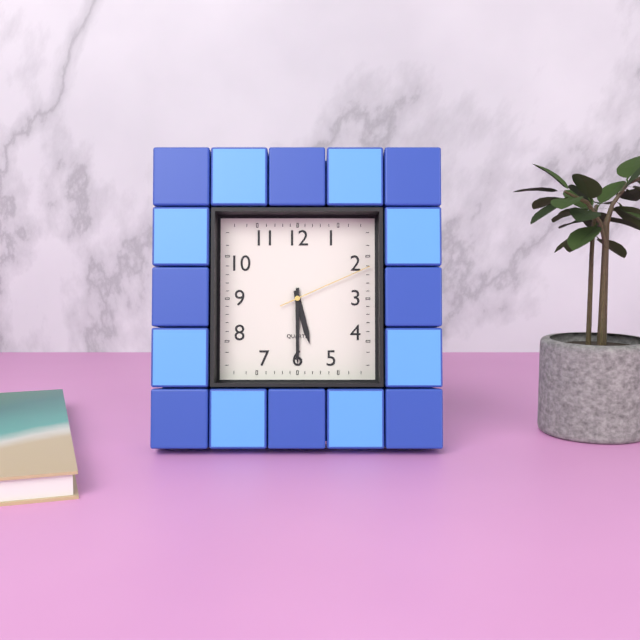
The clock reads h=5 m=30 s=11
